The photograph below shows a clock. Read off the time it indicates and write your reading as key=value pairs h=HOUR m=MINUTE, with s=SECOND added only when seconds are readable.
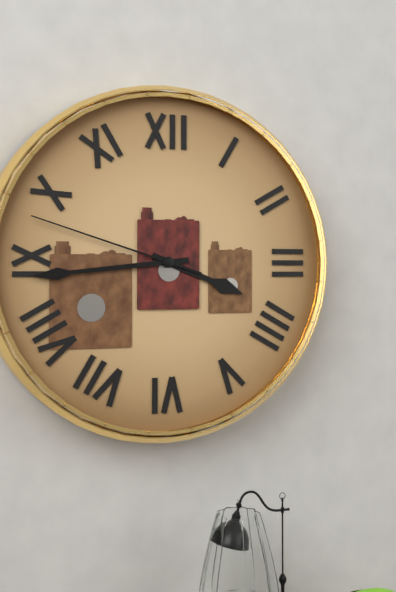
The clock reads h=3 m=44 s=48
